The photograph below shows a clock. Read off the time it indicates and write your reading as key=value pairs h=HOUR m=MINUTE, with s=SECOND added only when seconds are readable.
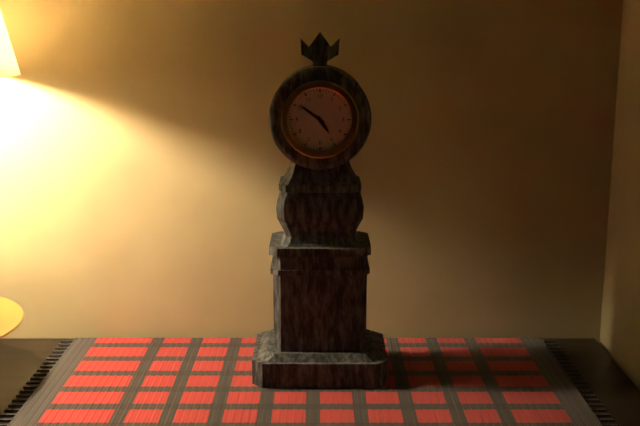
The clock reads h=4 m=51
